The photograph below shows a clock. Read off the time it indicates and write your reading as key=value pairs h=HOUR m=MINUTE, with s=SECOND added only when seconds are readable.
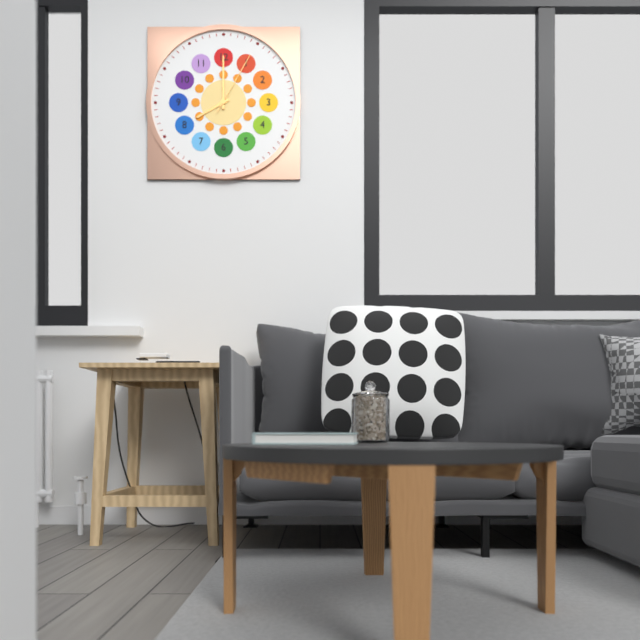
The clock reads h=8 m=0 s=5
